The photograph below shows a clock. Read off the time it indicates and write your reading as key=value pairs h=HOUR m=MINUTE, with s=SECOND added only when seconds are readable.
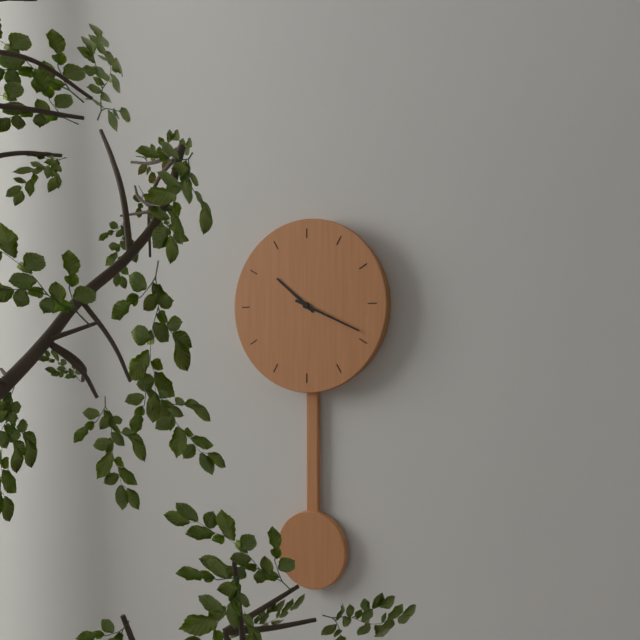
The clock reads h=10 m=19
